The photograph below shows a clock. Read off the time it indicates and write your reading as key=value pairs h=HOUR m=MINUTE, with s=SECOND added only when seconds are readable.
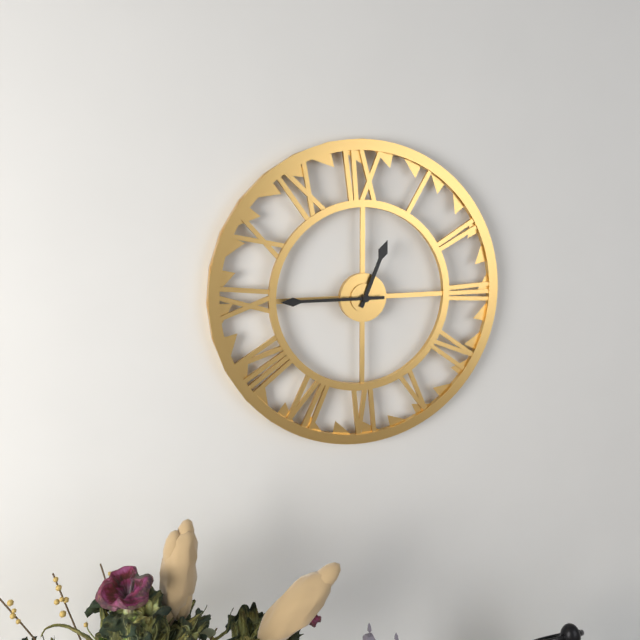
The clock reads h=12 m=45
